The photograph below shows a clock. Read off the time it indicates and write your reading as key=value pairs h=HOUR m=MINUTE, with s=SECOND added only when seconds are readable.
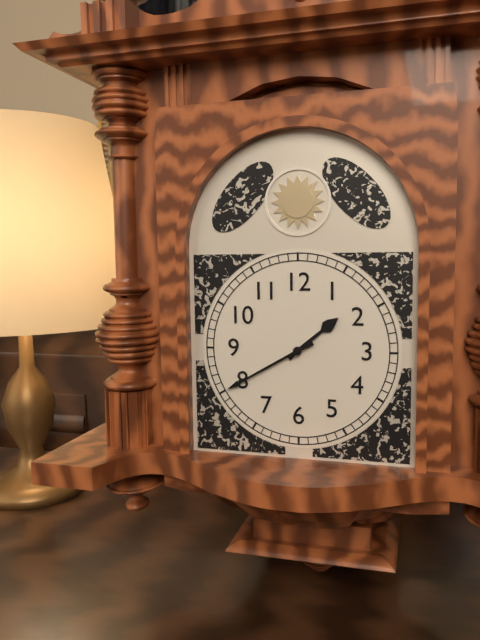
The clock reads h=1 m=40
